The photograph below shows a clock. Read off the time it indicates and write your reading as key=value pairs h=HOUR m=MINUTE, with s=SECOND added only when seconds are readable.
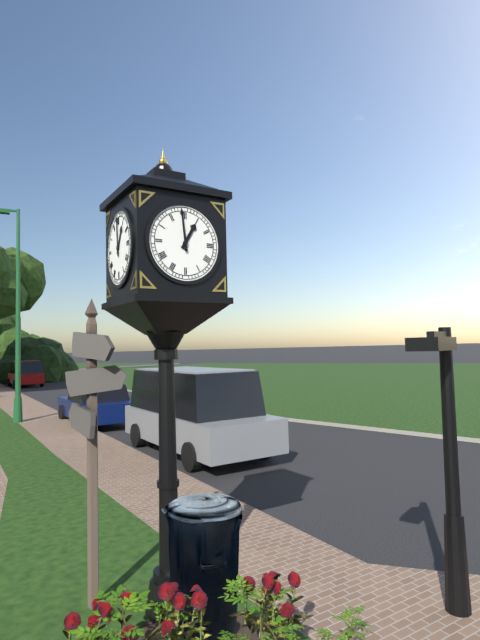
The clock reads h=12 m=59
